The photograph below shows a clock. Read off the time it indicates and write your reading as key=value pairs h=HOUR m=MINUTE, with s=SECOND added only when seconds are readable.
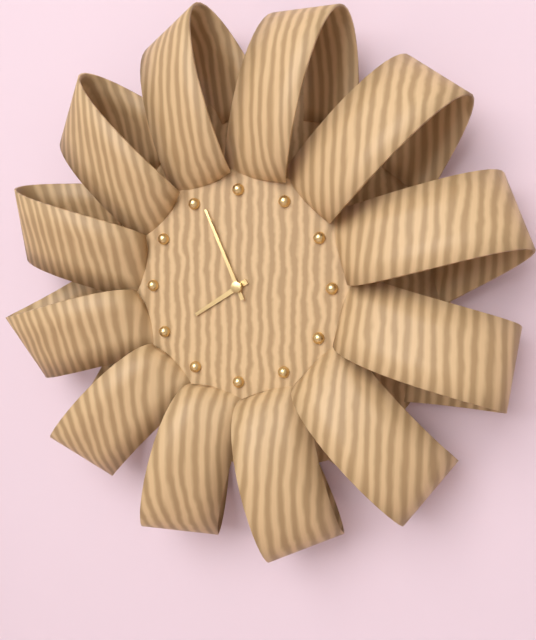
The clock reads h=7 m=56
